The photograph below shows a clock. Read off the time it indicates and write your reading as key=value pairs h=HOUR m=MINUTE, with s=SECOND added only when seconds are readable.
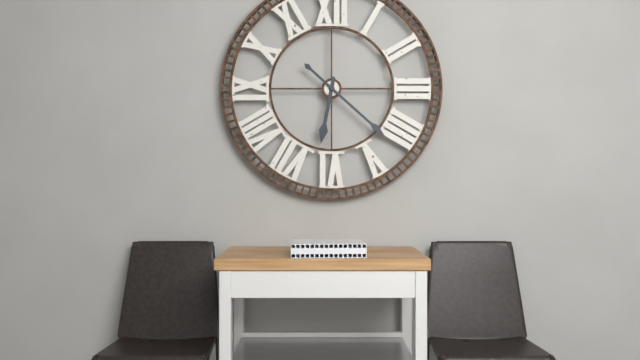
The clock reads h=6 m=22
